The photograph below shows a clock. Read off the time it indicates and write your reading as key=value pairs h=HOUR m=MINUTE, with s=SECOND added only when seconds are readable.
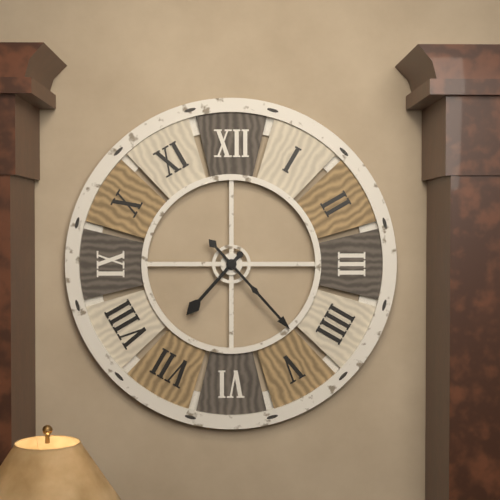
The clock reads h=7 m=23
